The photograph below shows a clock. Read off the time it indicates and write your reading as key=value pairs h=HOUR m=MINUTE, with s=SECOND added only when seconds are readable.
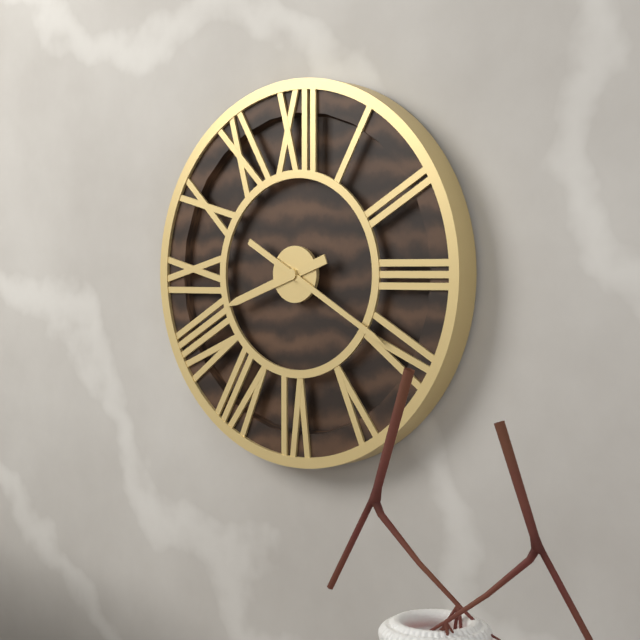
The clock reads h=8 m=20
